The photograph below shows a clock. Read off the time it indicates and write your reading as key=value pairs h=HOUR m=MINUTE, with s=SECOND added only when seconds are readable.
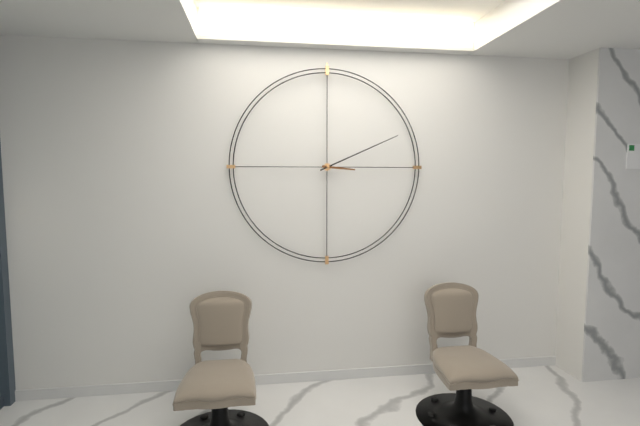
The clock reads h=3 m=11
